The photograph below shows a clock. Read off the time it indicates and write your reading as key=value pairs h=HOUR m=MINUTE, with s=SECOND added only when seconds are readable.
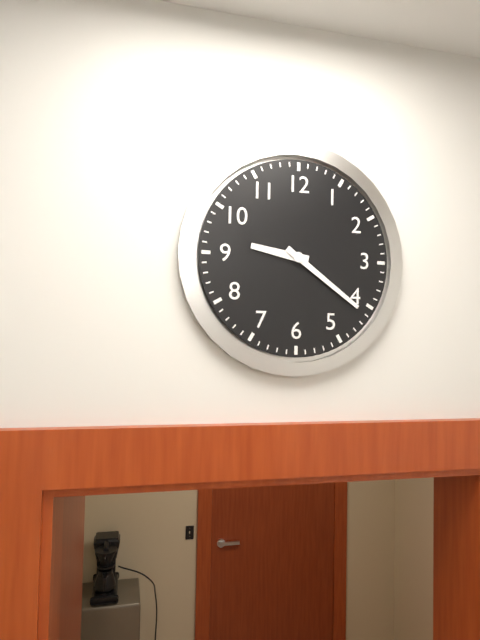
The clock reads h=9 m=21
